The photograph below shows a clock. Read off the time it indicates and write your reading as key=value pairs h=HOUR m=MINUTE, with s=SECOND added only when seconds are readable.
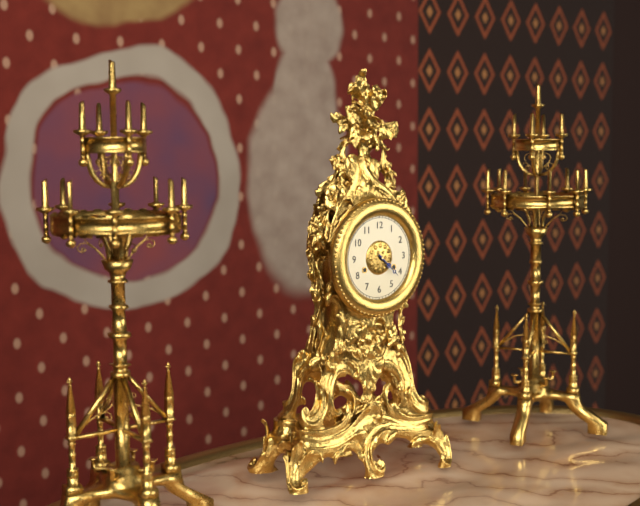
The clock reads h=4 m=22
